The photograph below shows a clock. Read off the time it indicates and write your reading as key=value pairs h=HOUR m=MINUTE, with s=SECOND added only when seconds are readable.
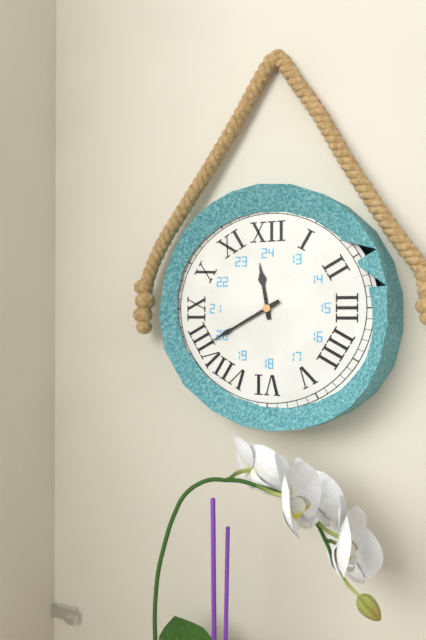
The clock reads h=11 m=40
